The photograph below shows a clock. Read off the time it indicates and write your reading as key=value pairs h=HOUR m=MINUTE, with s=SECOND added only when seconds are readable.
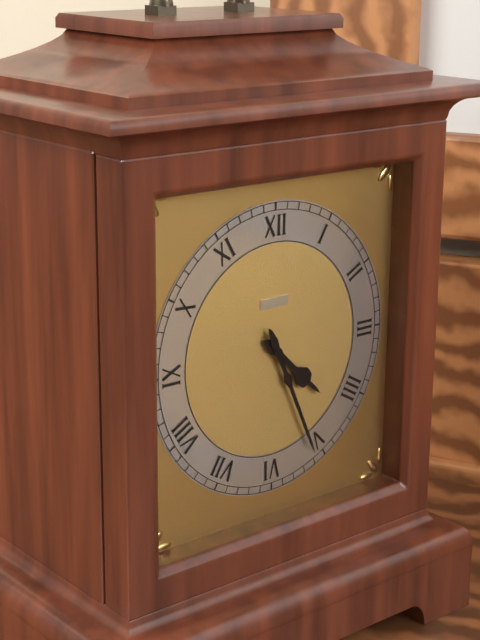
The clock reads h=4 m=26
